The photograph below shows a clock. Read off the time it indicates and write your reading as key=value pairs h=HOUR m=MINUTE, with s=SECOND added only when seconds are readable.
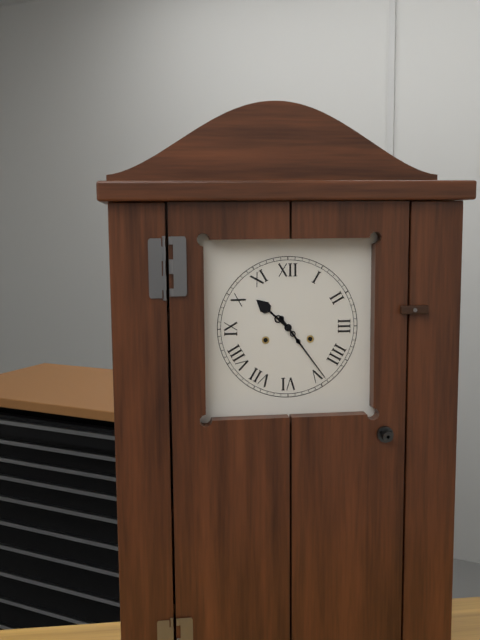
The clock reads h=10 m=24
